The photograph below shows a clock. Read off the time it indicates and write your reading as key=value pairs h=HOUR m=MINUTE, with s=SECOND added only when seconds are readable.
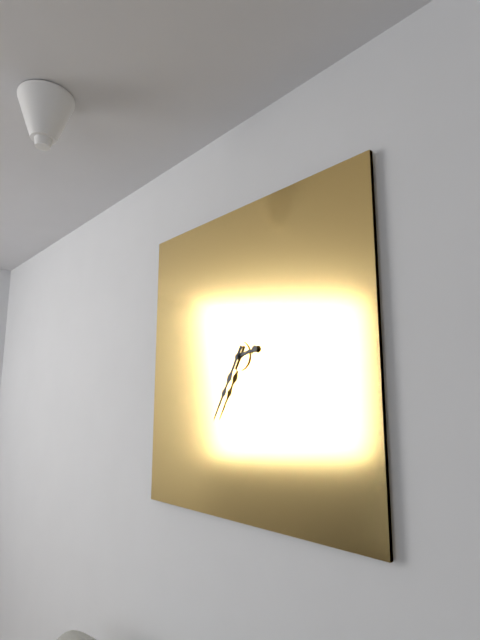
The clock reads h=2 m=35
